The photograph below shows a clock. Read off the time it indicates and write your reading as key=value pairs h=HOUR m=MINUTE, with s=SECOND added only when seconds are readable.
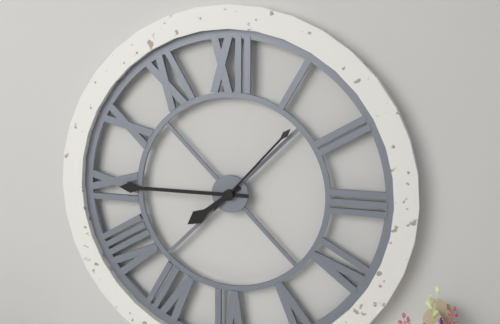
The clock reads h=7 m=45 s=7
